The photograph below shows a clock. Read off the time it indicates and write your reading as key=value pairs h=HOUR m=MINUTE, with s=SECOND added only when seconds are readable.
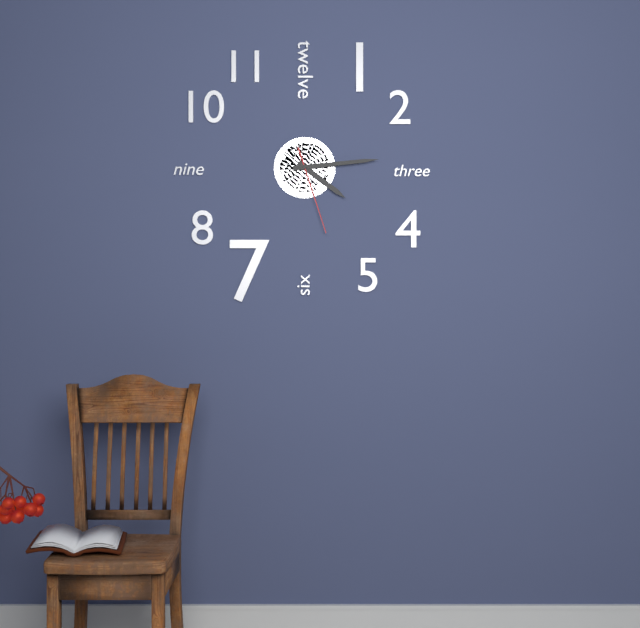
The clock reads h=4 m=14 s=27
